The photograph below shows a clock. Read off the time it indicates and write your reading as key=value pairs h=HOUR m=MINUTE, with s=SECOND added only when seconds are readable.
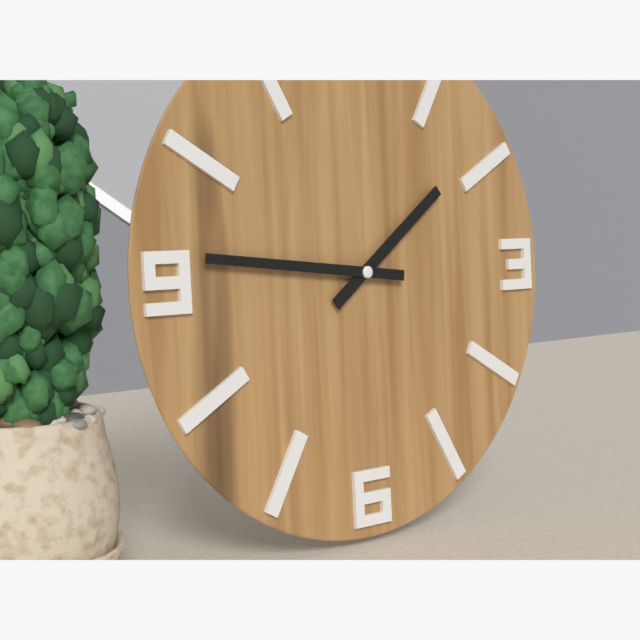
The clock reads h=1 m=46
